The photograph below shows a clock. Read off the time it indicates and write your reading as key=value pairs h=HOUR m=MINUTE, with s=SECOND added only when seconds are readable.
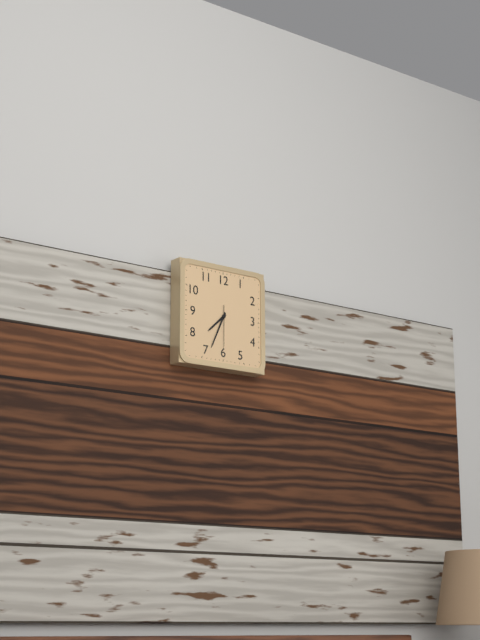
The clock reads h=7 m=34
